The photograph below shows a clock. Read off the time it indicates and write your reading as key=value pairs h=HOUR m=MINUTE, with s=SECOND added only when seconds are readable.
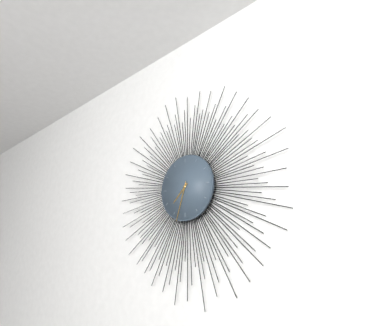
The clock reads h=7 m=33
